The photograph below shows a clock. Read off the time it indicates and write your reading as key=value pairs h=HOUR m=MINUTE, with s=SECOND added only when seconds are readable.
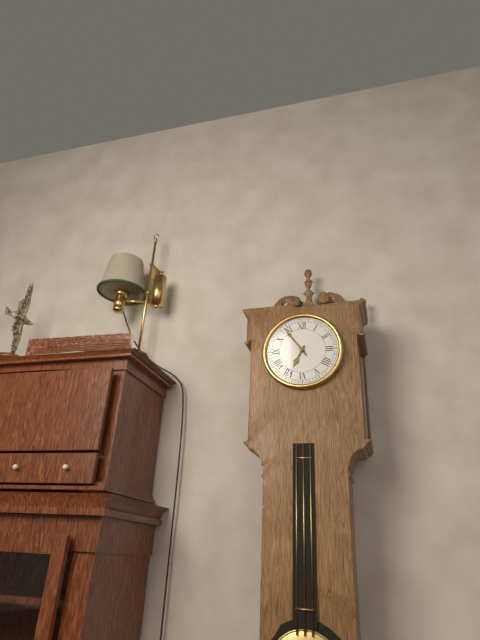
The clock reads h=6 m=54
